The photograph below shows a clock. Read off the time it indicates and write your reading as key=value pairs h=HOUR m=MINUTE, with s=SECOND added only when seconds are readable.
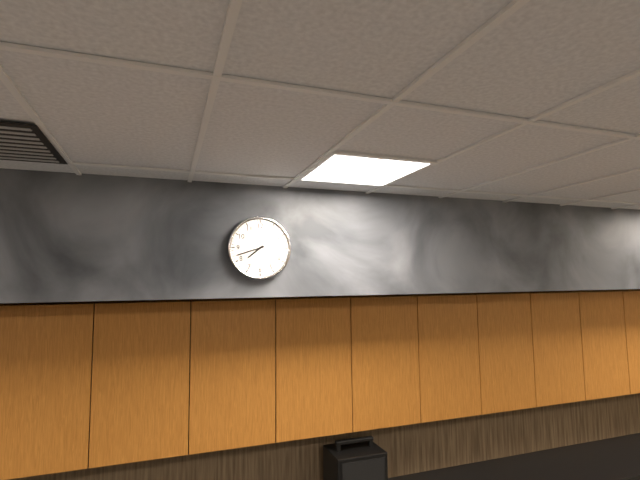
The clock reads h=7 m=42
